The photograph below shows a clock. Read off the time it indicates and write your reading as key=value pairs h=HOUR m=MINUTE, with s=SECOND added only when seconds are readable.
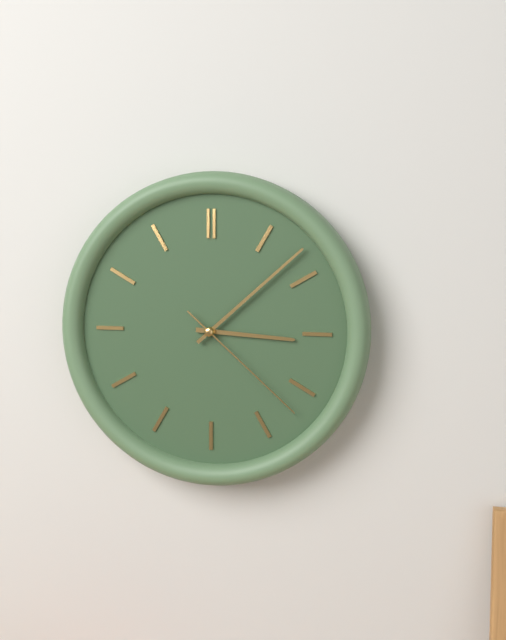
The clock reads h=3 m=8 s=22
